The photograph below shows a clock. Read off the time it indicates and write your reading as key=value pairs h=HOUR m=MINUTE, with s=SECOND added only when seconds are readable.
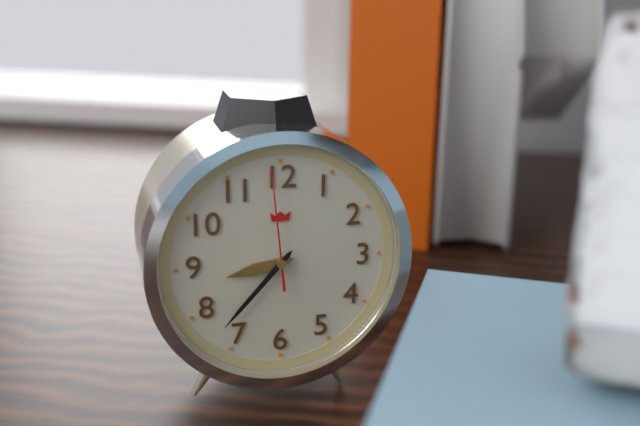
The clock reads h=8 m=37 s=59
